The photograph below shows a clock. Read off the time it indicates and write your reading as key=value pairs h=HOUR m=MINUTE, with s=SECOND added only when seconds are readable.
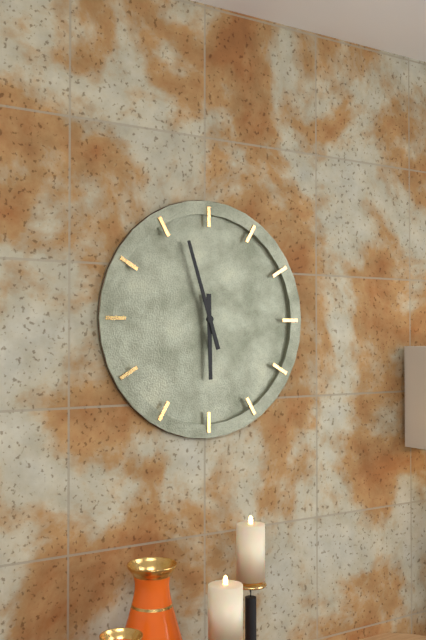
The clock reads h=5 m=57
